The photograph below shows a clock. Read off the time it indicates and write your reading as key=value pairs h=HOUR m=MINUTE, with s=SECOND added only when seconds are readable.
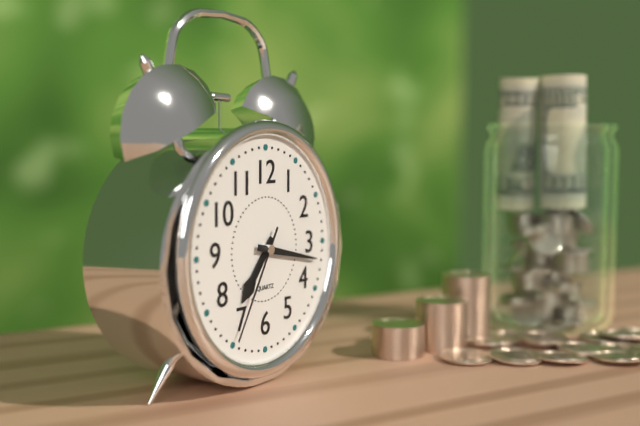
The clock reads h=7 m=17 s=35
